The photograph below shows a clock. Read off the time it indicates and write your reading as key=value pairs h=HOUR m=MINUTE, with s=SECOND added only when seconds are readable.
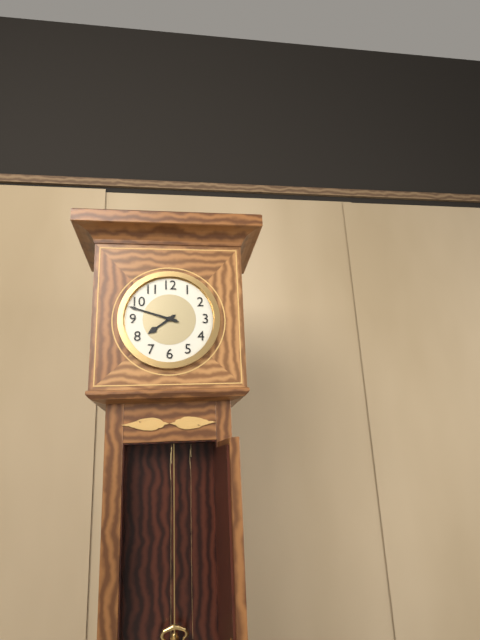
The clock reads h=7 m=48
